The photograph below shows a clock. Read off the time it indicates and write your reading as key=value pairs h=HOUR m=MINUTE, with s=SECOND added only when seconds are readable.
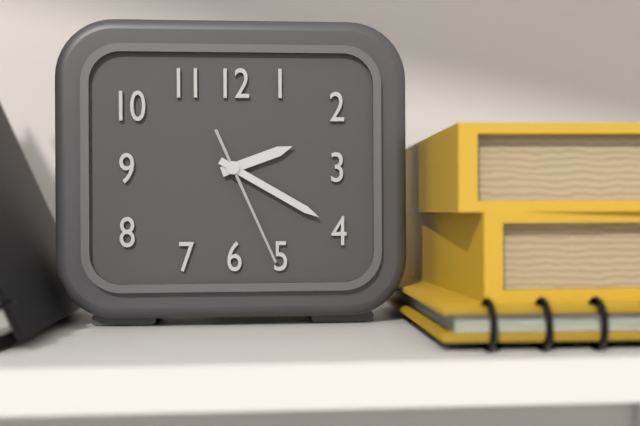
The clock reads h=2 m=20 s=26
